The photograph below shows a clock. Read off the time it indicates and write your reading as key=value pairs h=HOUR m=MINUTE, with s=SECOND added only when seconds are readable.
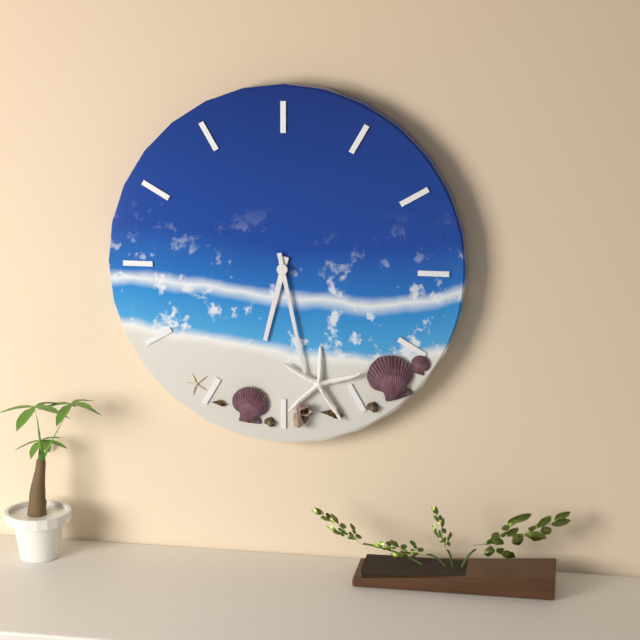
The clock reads h=6 m=28
